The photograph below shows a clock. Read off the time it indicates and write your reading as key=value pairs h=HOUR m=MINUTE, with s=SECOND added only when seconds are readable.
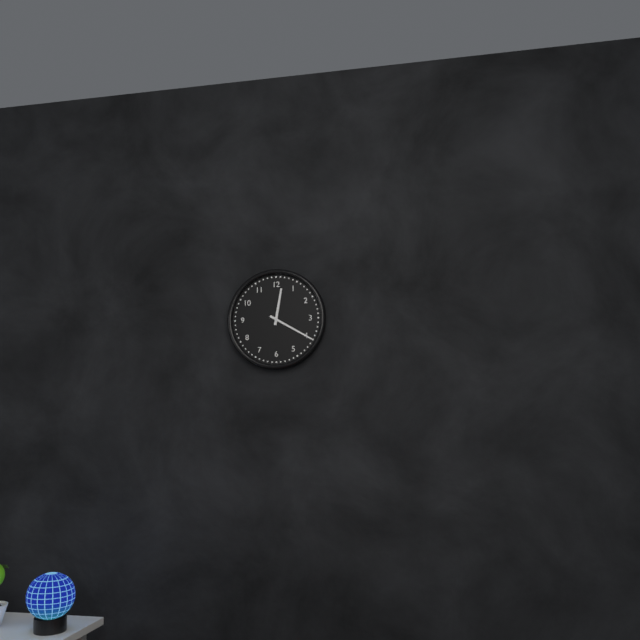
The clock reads h=12 m=20
